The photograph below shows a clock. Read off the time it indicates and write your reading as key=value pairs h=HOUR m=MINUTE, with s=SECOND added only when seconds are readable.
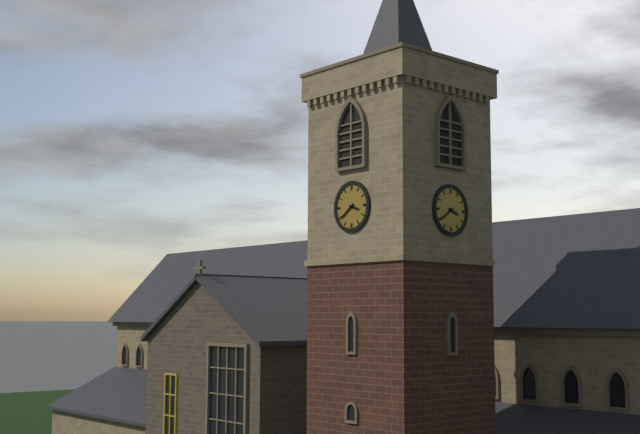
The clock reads h=3 m=39
